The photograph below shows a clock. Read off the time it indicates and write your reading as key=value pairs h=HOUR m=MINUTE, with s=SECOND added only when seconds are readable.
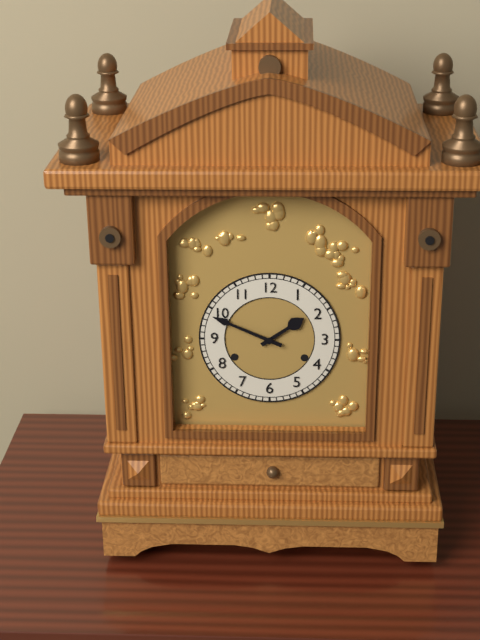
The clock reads h=1 m=49
